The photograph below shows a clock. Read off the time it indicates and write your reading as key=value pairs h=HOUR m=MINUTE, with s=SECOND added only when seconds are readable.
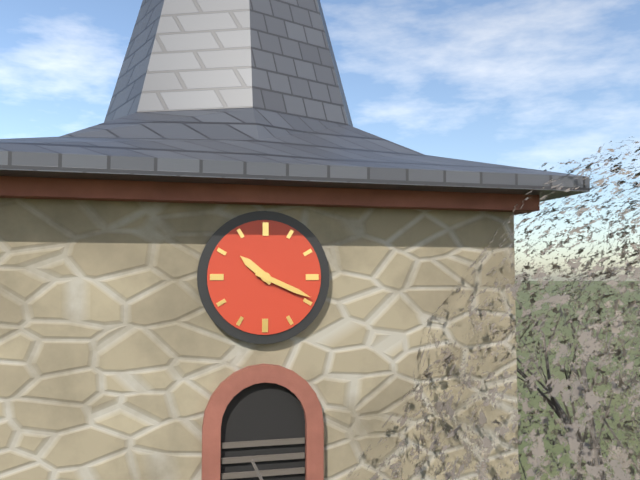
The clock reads h=10 m=19
